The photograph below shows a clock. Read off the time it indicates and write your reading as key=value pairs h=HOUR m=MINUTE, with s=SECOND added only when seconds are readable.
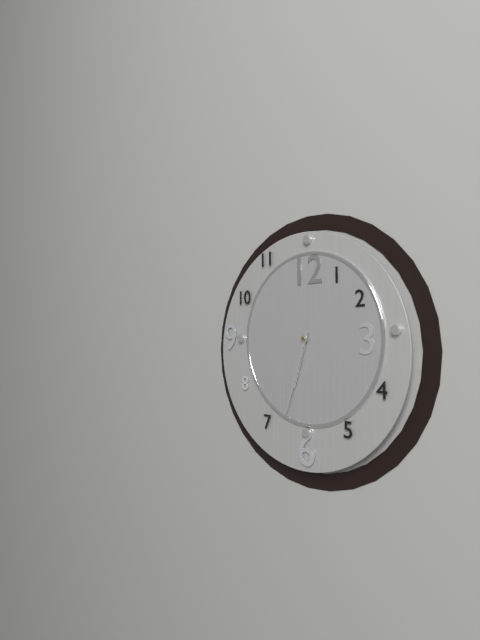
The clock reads h=6 m=33
